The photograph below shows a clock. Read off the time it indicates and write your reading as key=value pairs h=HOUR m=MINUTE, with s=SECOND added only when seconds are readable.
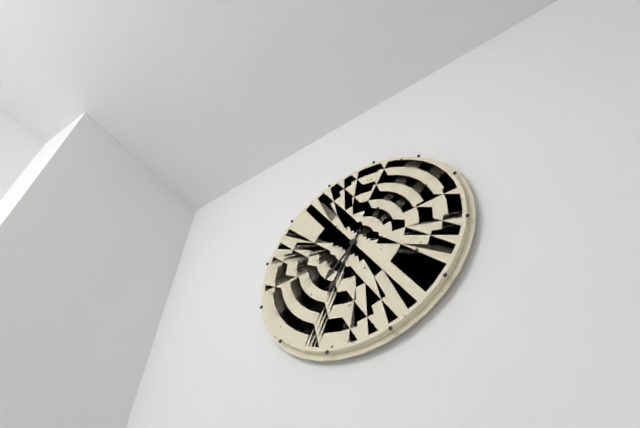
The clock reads h=7 m=35
